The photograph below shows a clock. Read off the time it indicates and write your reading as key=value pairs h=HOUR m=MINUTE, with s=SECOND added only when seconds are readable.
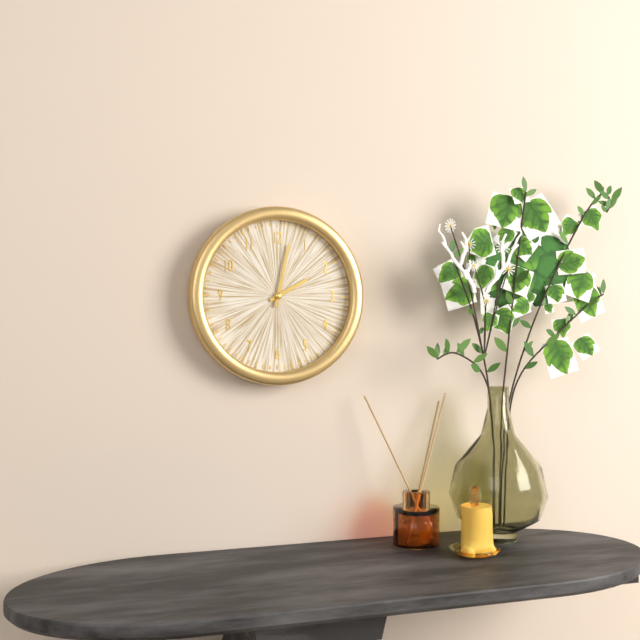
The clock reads h=2 m=2
